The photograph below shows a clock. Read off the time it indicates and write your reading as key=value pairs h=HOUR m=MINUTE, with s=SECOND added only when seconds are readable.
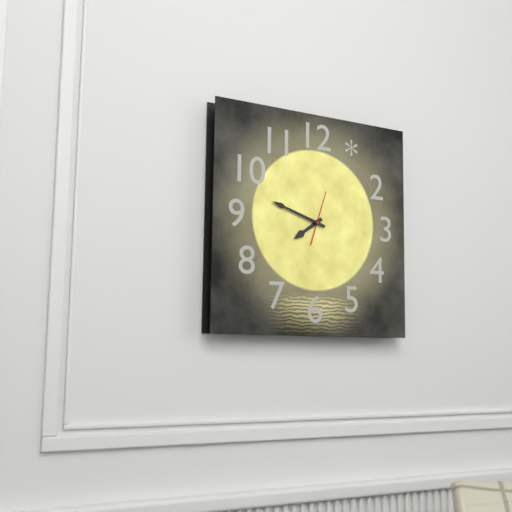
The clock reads h=7 m=48
